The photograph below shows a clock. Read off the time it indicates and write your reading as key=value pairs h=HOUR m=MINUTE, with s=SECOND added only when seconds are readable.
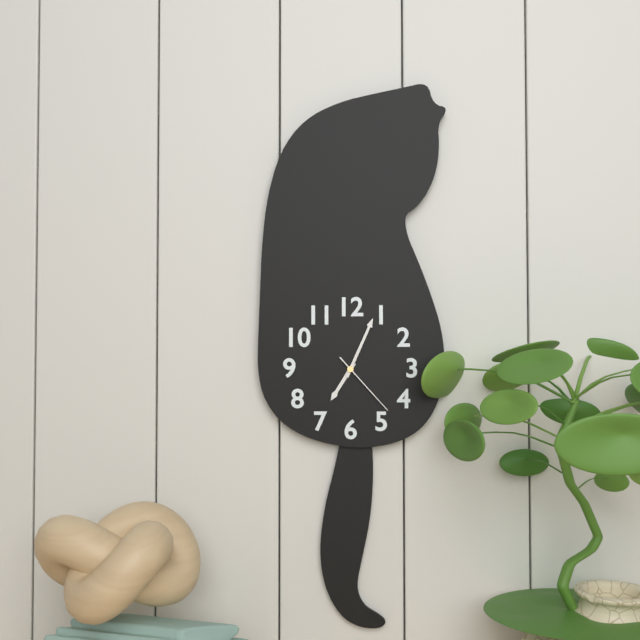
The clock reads h=7 m=4 s=23
